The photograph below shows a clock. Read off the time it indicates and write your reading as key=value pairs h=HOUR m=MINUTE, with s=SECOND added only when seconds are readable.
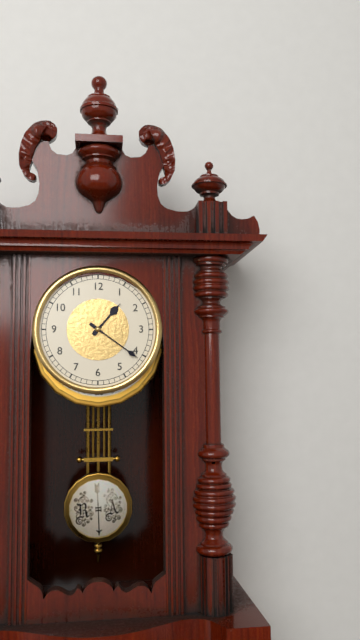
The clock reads h=1 m=21
